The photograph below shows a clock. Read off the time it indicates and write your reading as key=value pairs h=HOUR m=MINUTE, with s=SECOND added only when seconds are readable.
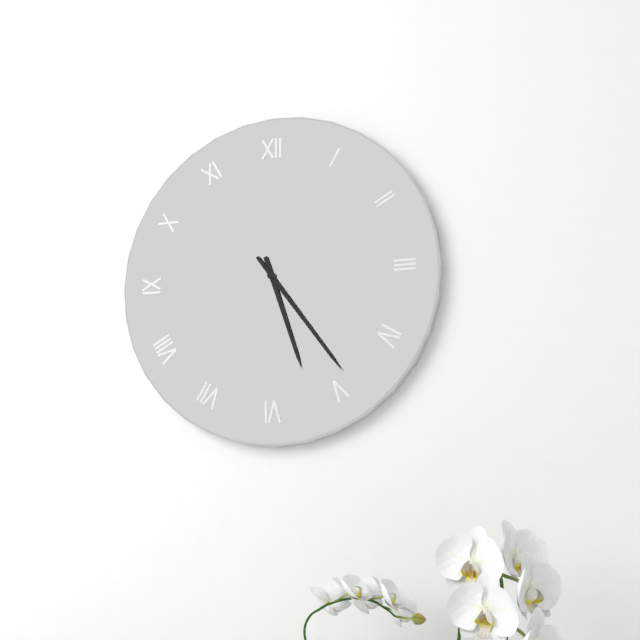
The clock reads h=5 m=24
